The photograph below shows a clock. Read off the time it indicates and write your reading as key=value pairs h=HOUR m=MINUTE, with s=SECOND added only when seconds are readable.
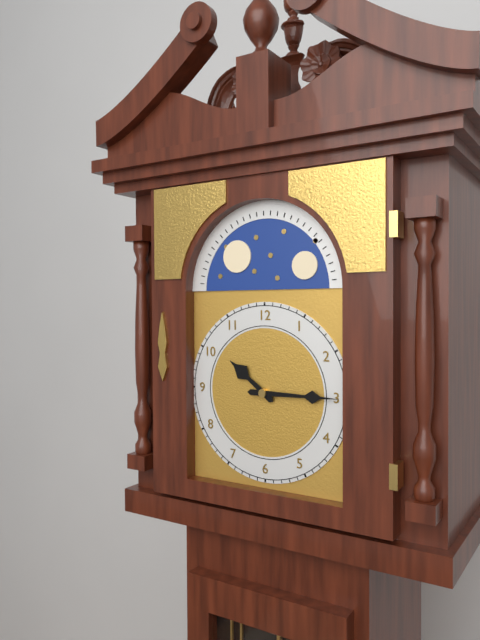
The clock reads h=10 m=15
